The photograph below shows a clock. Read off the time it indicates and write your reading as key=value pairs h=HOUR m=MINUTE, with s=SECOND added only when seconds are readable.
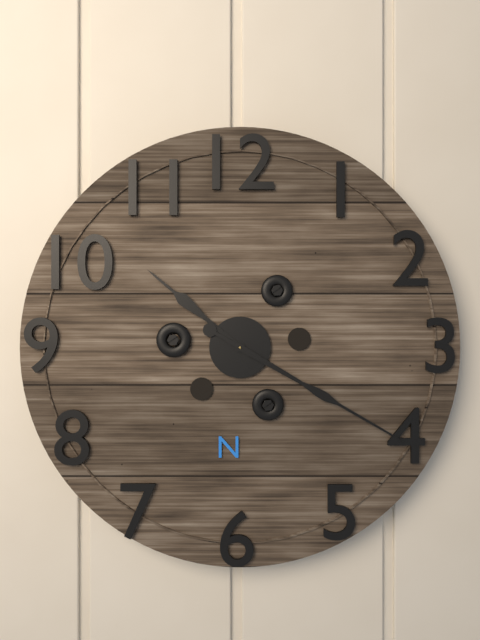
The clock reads h=10 m=20
